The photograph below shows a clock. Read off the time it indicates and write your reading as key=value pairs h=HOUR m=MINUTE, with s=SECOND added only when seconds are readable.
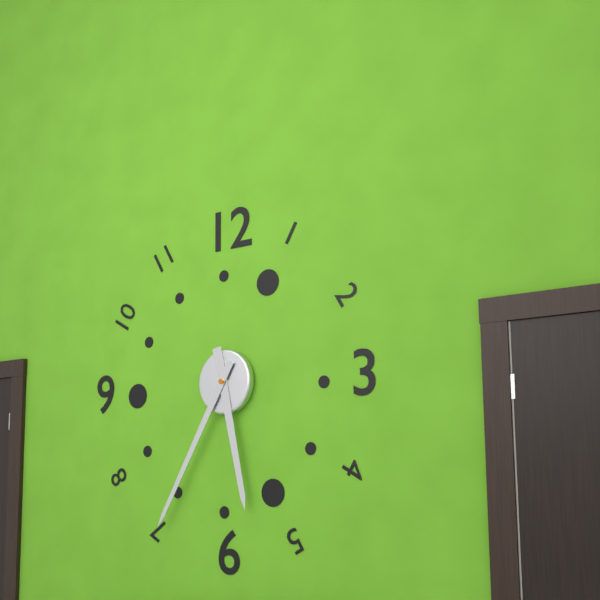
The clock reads h=5 m=35
